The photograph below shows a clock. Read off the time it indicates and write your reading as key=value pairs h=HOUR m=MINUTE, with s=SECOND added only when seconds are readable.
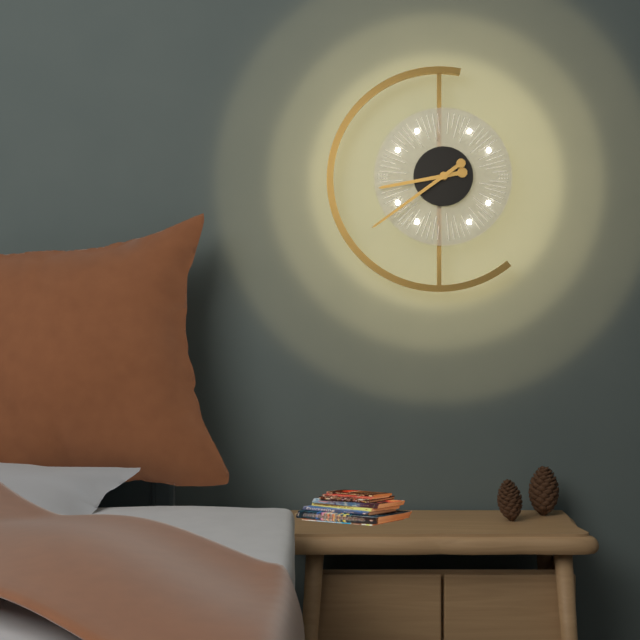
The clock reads h=8 m=39
